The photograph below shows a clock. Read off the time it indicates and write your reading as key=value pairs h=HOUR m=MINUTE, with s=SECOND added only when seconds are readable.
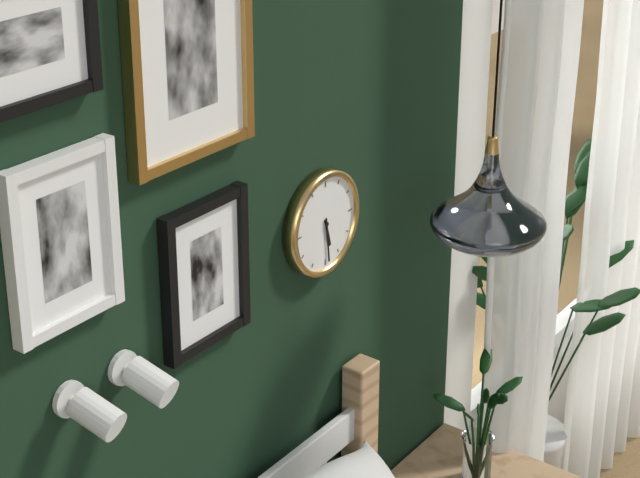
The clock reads h=5 m=29
